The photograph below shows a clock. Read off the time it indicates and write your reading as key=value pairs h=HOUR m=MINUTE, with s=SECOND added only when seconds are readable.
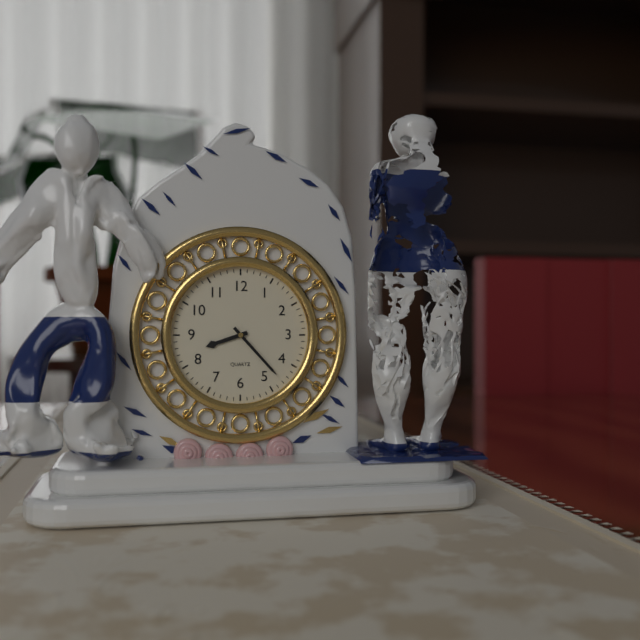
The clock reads h=8 m=23
